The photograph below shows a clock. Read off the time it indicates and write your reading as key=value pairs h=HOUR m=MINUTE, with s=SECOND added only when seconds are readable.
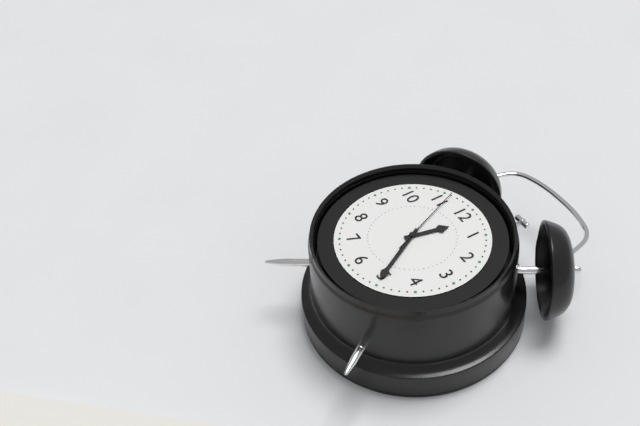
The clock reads h=12 m=25 s=56
